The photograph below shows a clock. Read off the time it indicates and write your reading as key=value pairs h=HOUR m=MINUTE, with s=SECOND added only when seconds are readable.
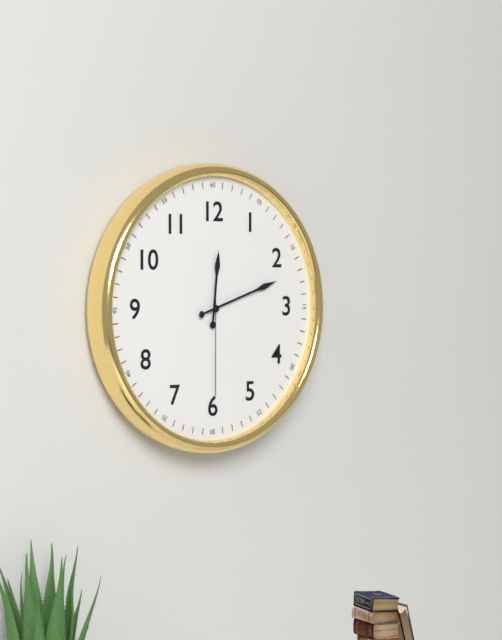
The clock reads h=12 m=12 s=30
